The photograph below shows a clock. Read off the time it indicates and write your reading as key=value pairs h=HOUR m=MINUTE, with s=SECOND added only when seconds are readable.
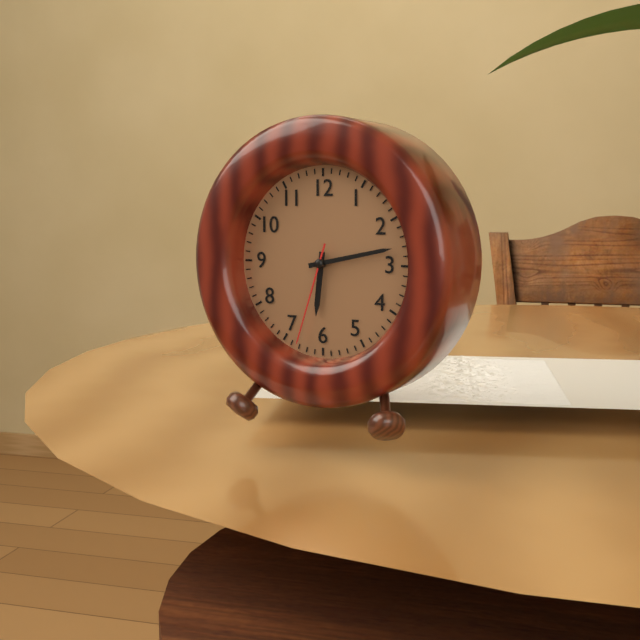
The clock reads h=6 m=13 s=33
